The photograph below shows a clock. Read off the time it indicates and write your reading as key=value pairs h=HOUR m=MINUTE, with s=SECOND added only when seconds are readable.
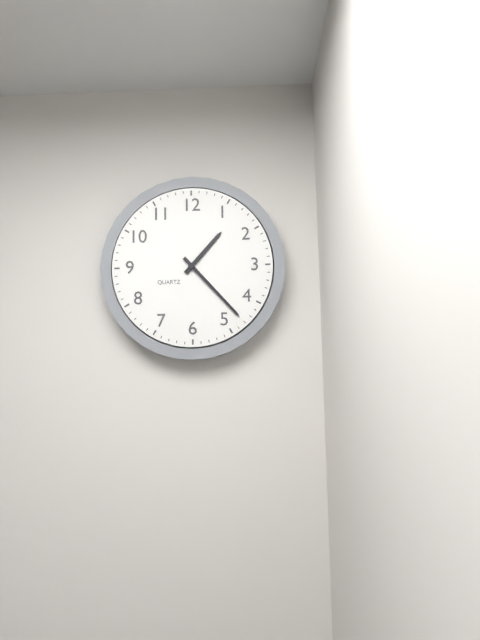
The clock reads h=1 m=23
